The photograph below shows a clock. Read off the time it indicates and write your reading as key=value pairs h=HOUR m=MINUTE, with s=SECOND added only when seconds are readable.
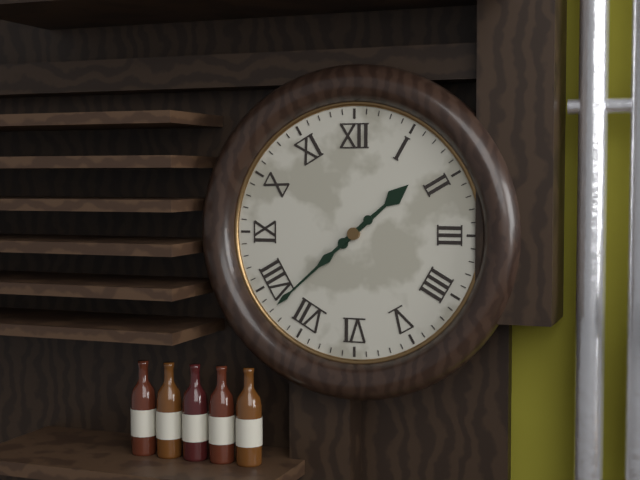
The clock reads h=1 m=38
